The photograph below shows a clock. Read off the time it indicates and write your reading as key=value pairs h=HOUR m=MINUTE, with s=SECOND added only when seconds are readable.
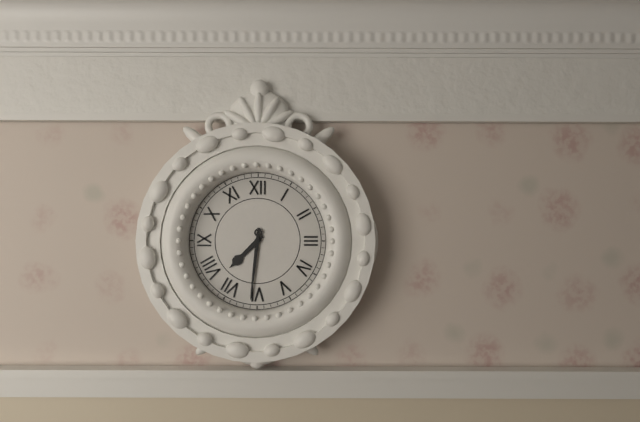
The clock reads h=7 m=31
